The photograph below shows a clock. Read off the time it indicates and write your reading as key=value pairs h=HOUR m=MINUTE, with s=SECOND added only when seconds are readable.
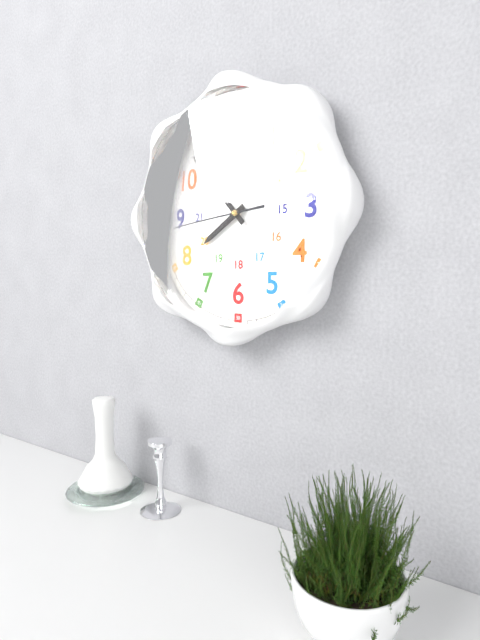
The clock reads h=7 m=53 s=44
